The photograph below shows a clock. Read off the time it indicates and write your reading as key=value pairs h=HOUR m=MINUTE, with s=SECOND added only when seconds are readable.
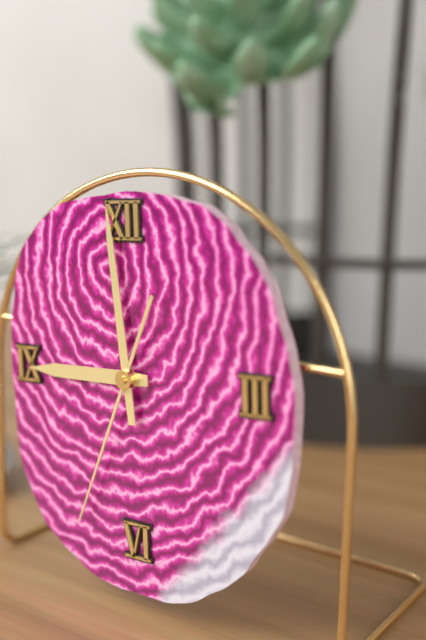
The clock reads h=8 m=59 s=34
